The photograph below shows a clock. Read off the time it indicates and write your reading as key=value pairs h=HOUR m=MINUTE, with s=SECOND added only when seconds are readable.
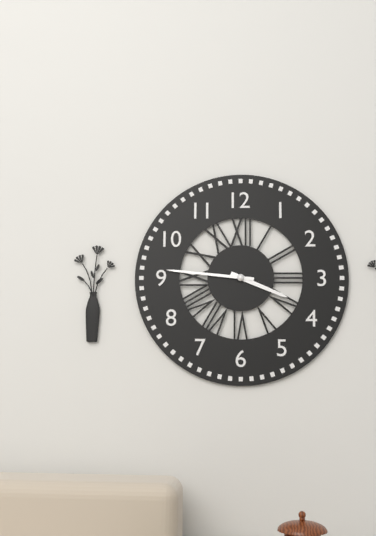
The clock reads h=3 m=46
